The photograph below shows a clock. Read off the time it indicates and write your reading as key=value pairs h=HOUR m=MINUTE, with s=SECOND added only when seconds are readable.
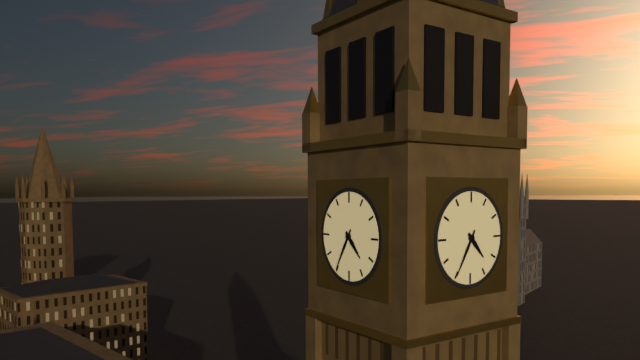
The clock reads h=4 m=35
